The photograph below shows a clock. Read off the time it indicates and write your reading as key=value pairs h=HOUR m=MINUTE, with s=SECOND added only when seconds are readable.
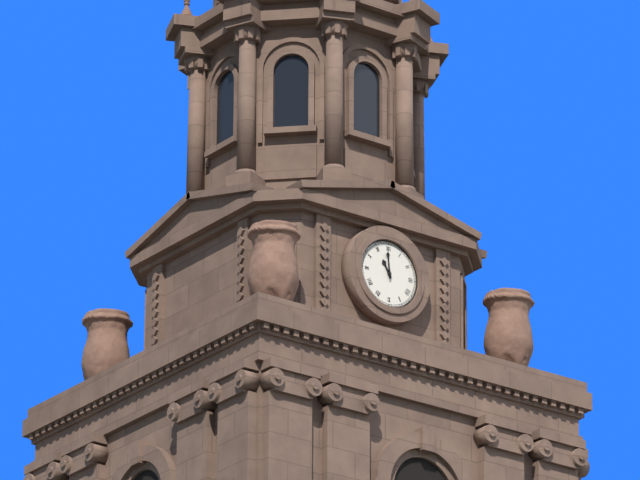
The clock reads h=10 m=59
